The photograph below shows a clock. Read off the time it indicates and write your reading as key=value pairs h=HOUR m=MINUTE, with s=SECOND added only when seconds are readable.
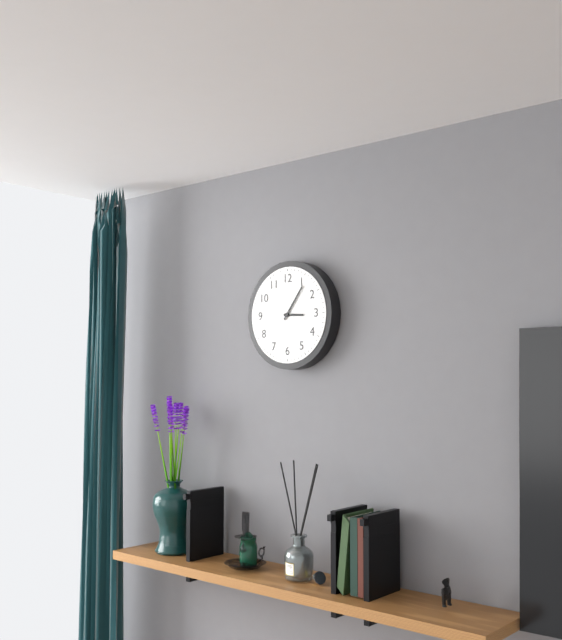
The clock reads h=3 m=6
